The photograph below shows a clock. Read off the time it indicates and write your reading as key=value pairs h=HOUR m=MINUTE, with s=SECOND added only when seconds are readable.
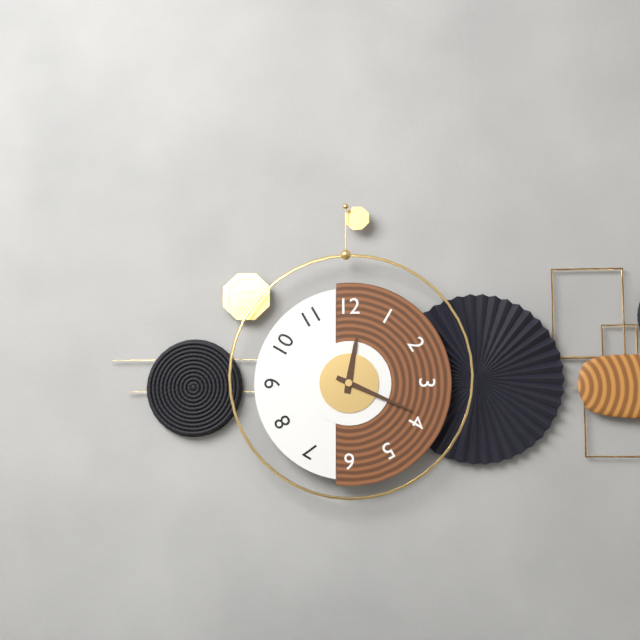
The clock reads h=12 m=19
